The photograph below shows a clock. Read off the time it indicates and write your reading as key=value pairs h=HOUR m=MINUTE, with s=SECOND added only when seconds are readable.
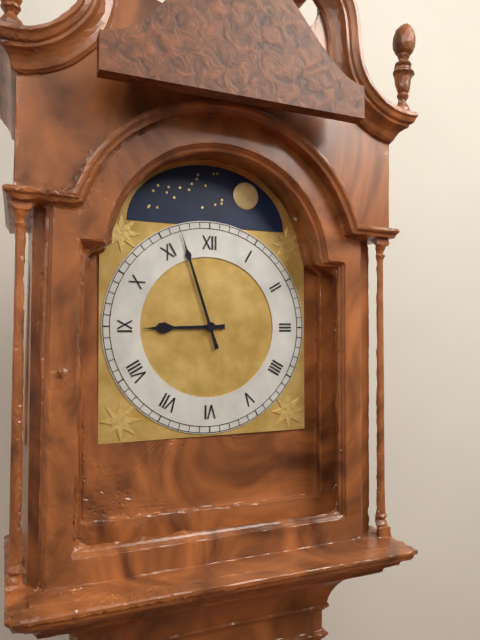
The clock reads h=8 m=57
